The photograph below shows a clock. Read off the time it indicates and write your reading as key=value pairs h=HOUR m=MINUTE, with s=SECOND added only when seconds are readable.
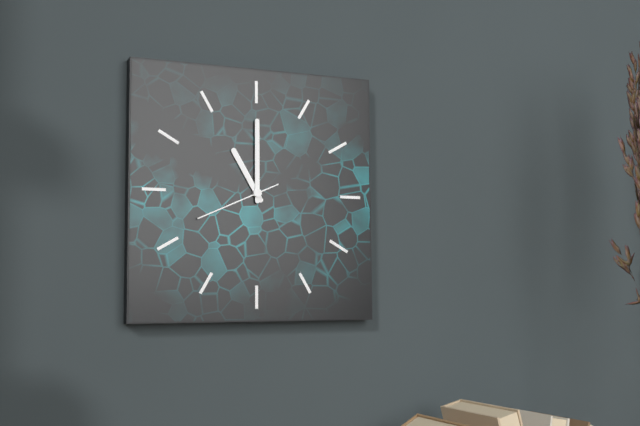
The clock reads h=11 m=0 s=41
